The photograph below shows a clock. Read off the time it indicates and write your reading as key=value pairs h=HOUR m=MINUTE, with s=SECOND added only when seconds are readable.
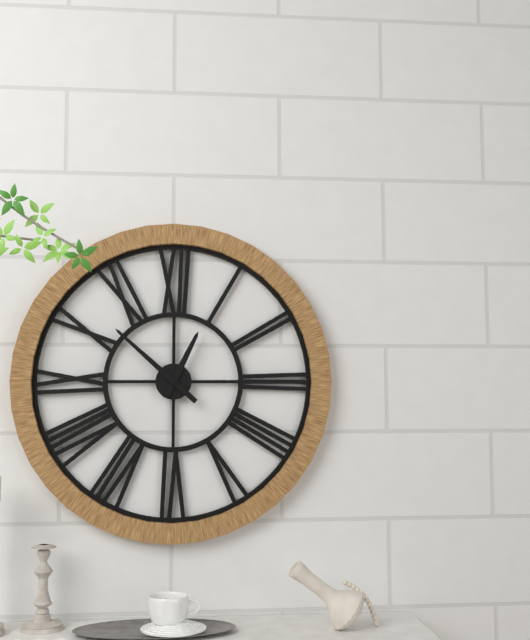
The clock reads h=12 m=52
